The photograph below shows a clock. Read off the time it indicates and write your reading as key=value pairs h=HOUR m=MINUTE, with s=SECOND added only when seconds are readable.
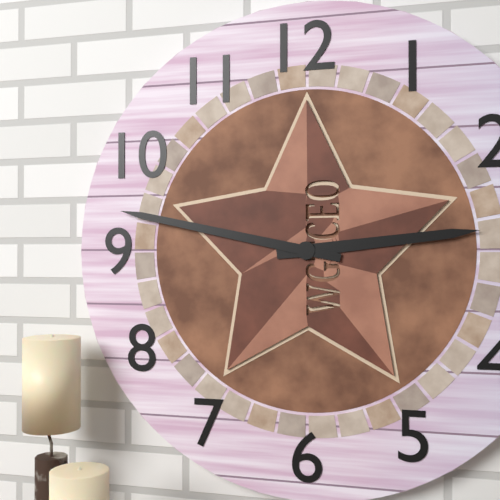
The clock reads h=2 m=47
